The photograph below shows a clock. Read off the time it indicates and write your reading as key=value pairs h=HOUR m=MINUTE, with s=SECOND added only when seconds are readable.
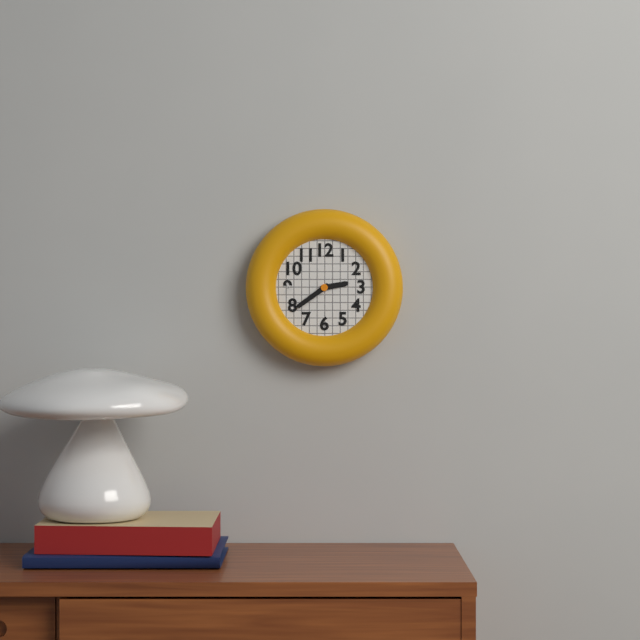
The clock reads h=2 m=39
